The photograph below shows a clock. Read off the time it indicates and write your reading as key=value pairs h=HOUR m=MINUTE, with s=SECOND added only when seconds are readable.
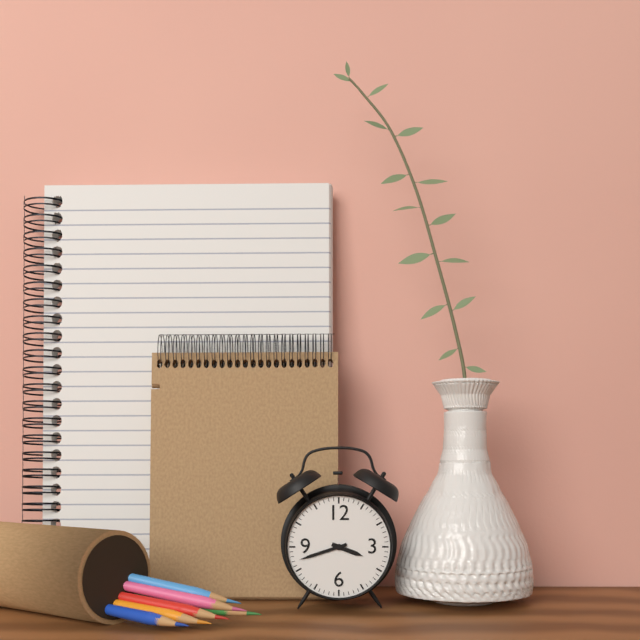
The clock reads h=3 m=42
